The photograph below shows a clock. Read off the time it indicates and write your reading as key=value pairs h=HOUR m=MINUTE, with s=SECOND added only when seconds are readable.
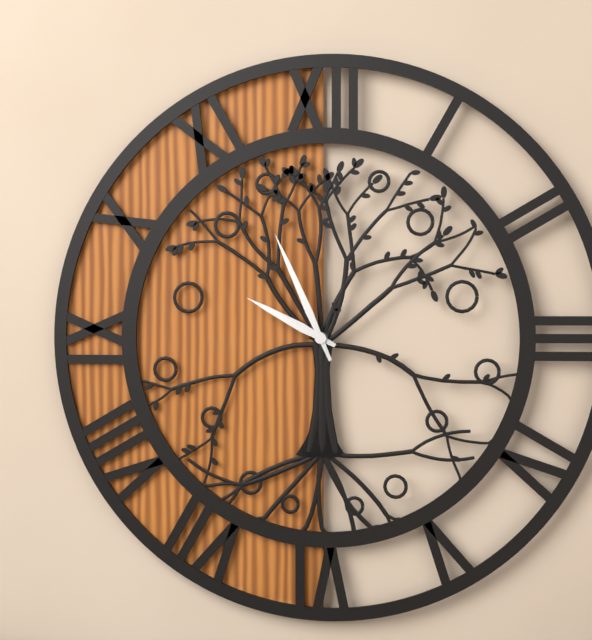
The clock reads h=9 m=56
